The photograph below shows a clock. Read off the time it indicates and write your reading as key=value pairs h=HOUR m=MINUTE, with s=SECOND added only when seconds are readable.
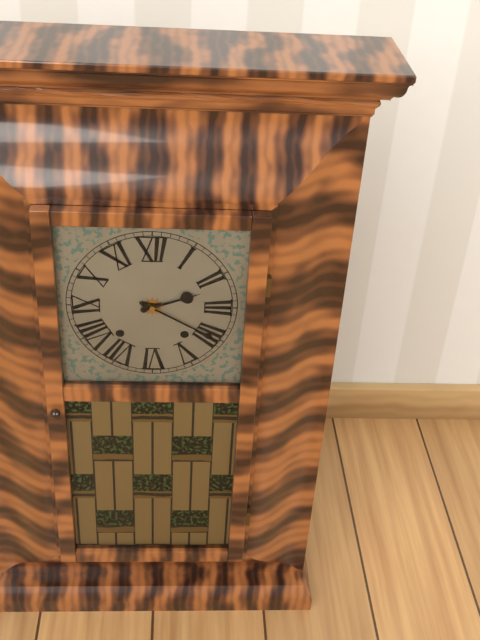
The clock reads h=2 m=20
